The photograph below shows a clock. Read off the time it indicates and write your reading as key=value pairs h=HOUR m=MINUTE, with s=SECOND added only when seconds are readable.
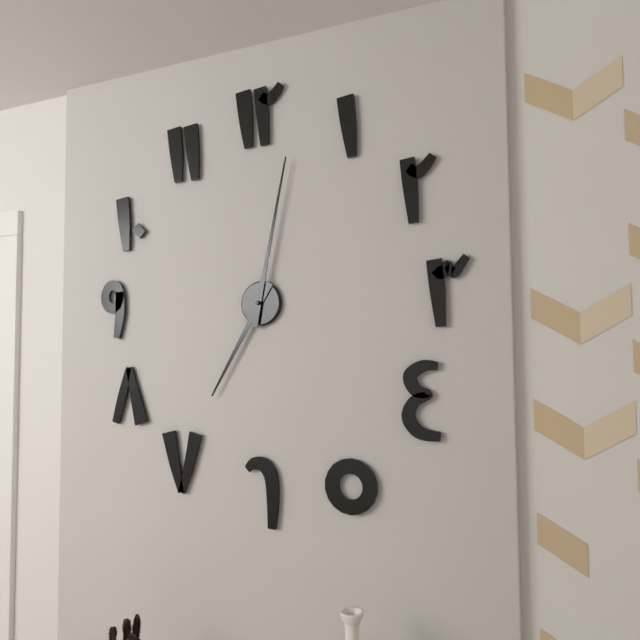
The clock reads h=7 m=2
